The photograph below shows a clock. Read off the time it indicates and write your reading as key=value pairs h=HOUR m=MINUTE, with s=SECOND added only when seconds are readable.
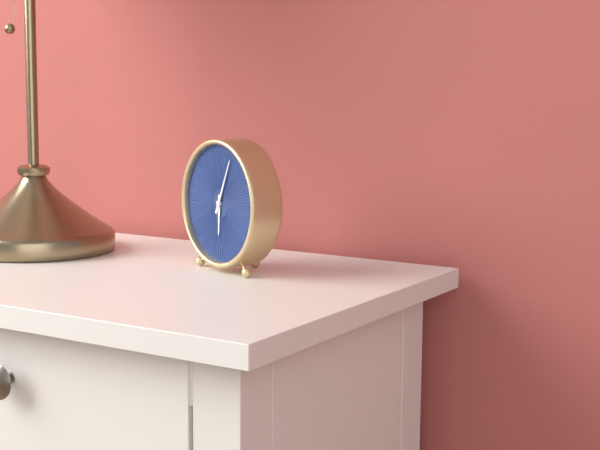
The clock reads h=6 m=4
